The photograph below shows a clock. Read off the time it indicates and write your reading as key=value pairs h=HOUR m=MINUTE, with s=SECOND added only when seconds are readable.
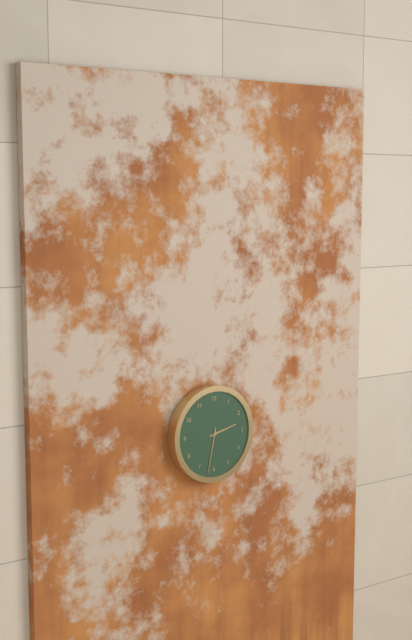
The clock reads h=2 m=32
